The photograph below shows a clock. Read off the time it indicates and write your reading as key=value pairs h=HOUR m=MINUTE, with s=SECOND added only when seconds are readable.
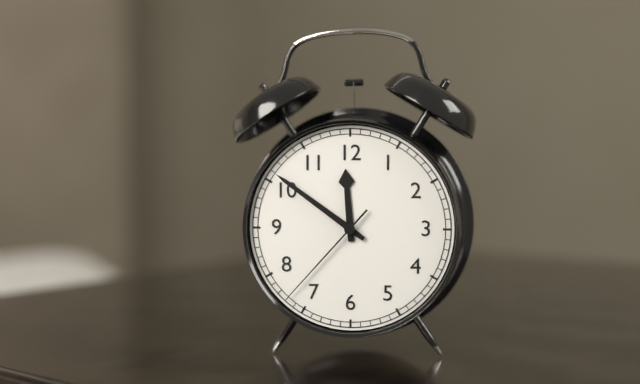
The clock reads h=11 m=51 s=37
